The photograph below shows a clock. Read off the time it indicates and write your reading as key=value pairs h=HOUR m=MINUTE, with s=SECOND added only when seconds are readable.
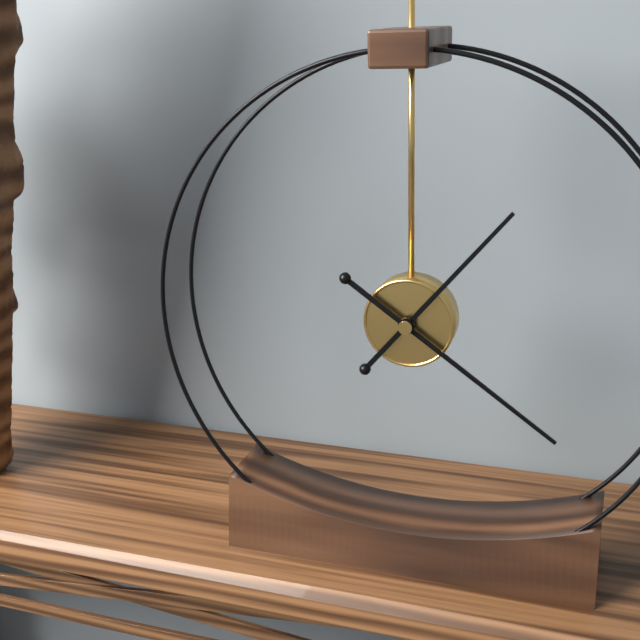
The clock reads h=1 m=21
